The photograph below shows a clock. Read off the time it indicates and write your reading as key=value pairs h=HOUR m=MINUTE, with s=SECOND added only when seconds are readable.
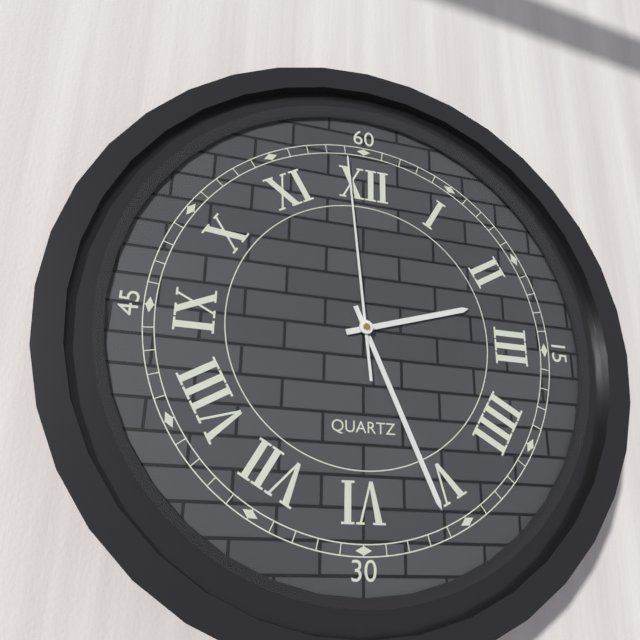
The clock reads h=2 m=26 s=59
